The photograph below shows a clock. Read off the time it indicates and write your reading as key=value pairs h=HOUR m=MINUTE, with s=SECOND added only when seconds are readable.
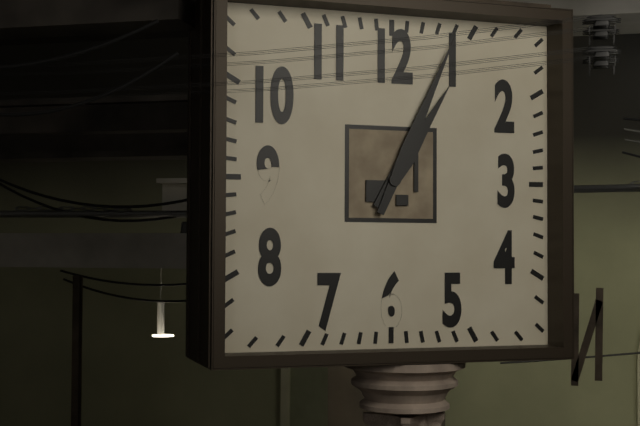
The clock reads h=1 m=4
